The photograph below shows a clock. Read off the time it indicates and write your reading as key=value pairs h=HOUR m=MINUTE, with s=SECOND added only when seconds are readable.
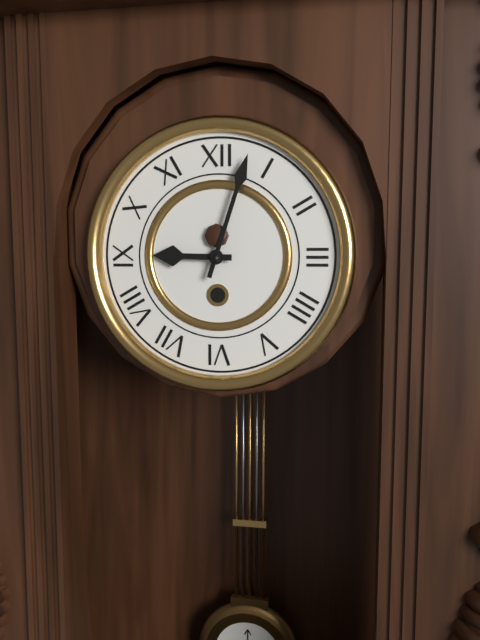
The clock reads h=9 m=3
